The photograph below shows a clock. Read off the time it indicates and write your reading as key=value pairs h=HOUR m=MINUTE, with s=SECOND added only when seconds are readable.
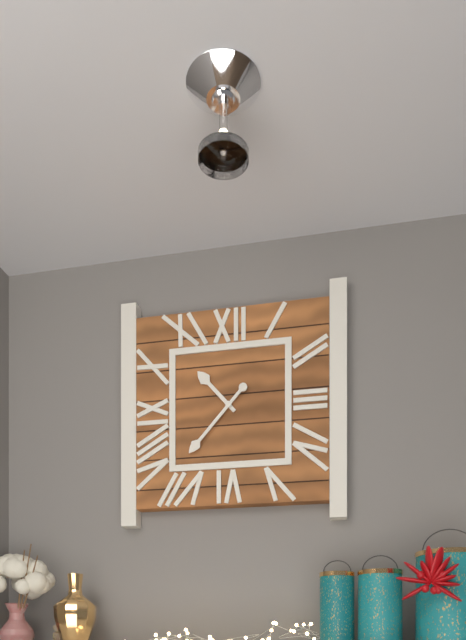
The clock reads h=10 m=37
